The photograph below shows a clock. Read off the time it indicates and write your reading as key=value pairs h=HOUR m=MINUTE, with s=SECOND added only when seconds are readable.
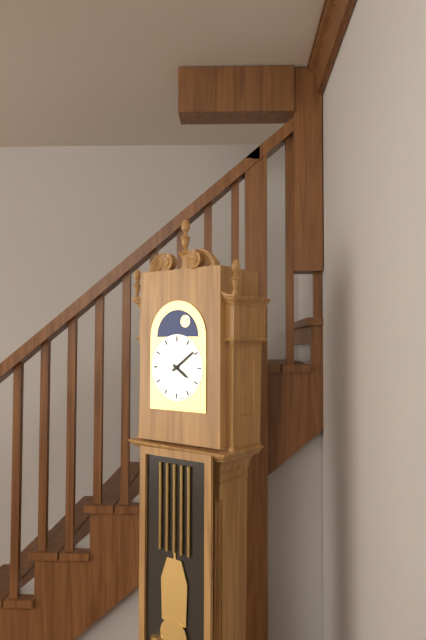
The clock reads h=4 m=9
